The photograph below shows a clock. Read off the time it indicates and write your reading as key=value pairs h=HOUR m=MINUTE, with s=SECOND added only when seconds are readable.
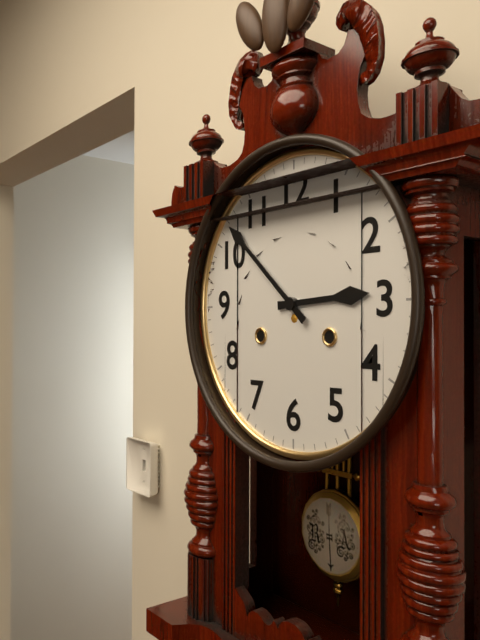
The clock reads h=2 m=52
